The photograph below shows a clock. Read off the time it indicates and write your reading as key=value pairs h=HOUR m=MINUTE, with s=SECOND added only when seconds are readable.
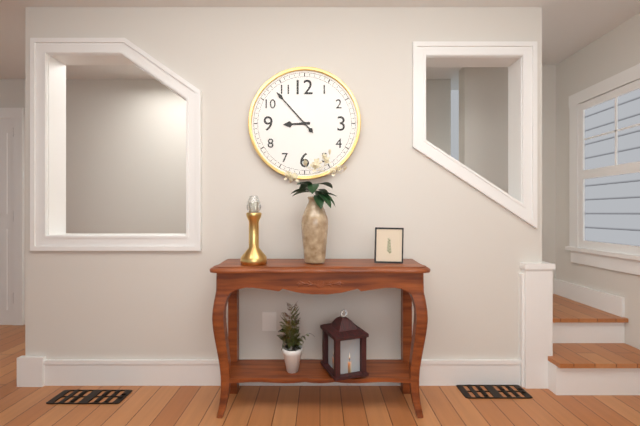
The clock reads h=8 m=53
